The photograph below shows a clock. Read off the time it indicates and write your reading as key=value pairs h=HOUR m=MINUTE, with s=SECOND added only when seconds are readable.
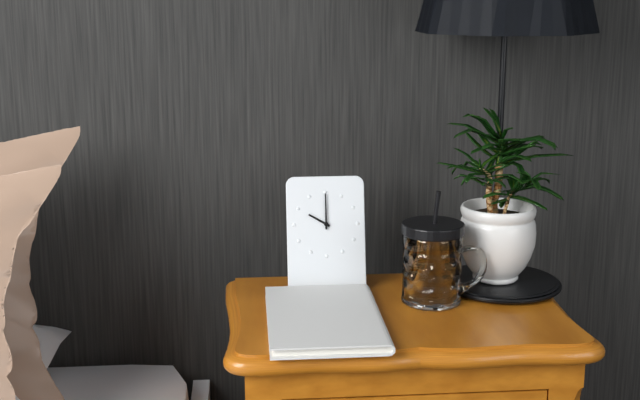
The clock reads h=10 m=0
